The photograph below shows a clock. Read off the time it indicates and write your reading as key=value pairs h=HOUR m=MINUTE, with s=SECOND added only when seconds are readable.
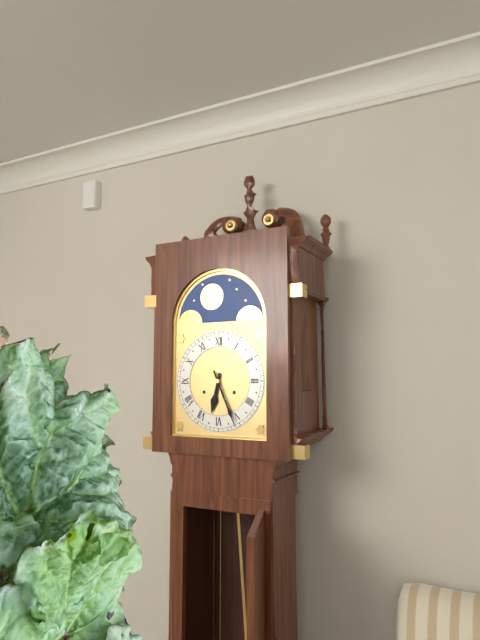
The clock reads h=6 m=26
